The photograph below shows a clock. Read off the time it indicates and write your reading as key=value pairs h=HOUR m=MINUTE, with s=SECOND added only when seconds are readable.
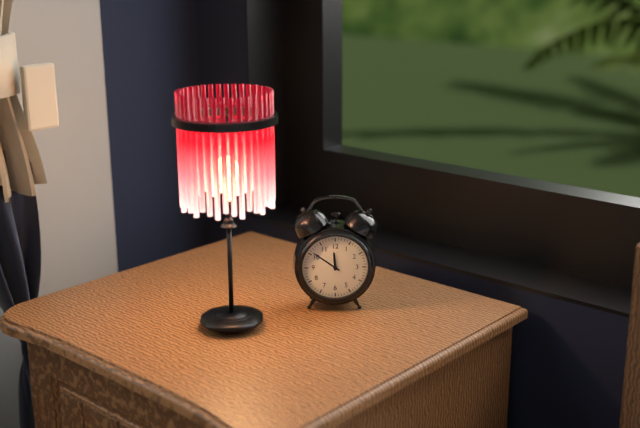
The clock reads h=11 m=51
